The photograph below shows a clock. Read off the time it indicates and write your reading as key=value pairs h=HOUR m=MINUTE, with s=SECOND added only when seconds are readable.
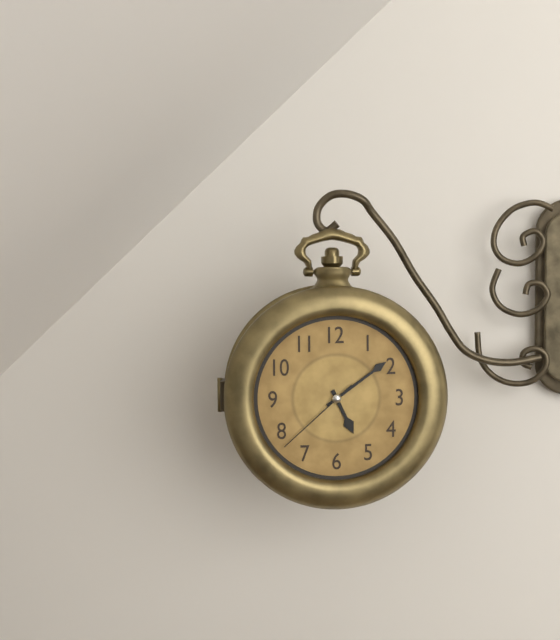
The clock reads h=5 m=9 s=38
